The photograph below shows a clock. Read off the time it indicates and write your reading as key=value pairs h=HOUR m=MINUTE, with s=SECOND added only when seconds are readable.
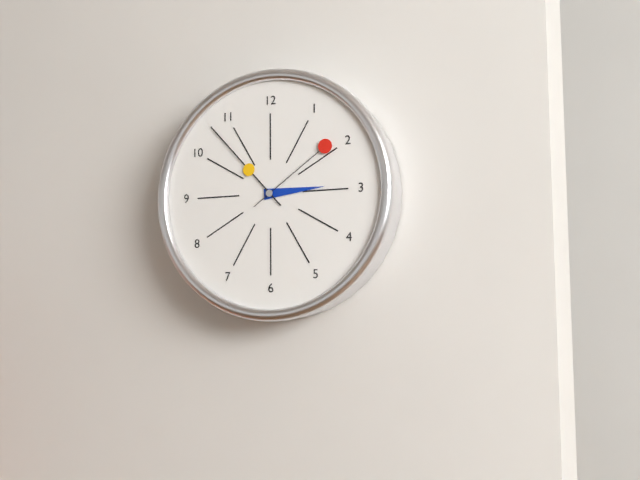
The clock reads h=2 m=53 s=9
